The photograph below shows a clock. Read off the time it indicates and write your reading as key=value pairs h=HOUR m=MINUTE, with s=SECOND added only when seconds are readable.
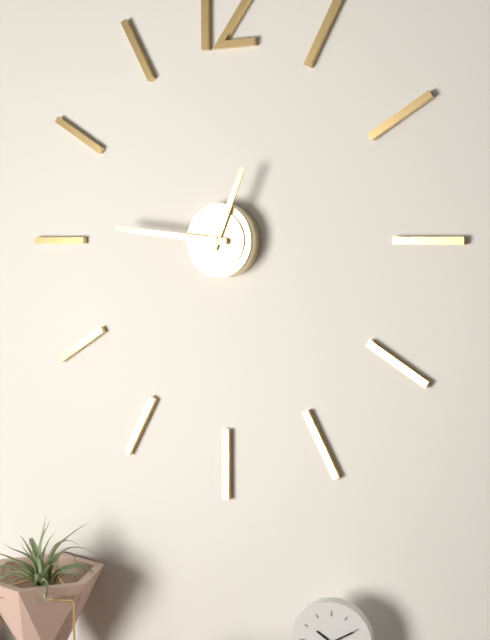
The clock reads h=12 m=46
